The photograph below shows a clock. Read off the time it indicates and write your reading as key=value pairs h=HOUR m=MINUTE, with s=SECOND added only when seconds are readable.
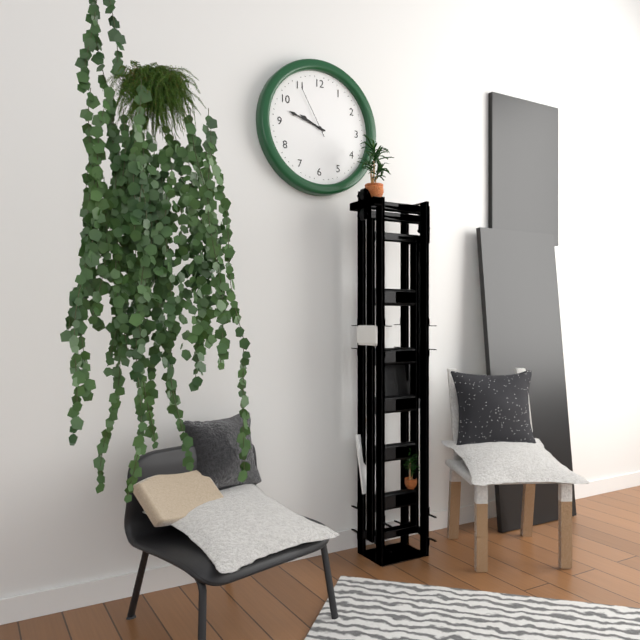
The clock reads h=9 m=48 s=55
